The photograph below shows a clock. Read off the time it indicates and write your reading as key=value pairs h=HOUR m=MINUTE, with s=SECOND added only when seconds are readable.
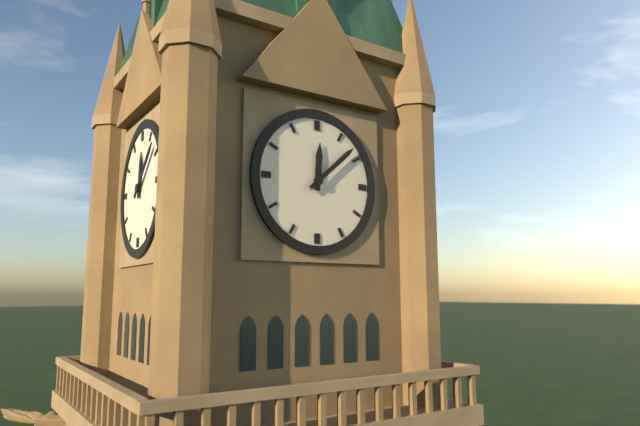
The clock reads h=12 m=8
